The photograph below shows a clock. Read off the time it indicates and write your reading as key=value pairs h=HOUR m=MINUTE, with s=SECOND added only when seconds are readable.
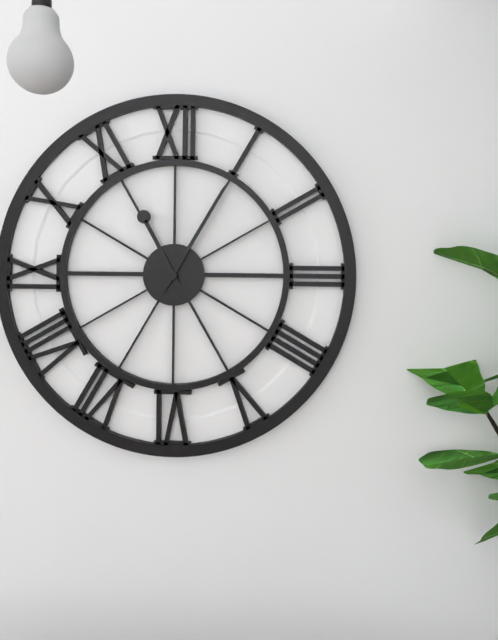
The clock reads h=11 m=5
